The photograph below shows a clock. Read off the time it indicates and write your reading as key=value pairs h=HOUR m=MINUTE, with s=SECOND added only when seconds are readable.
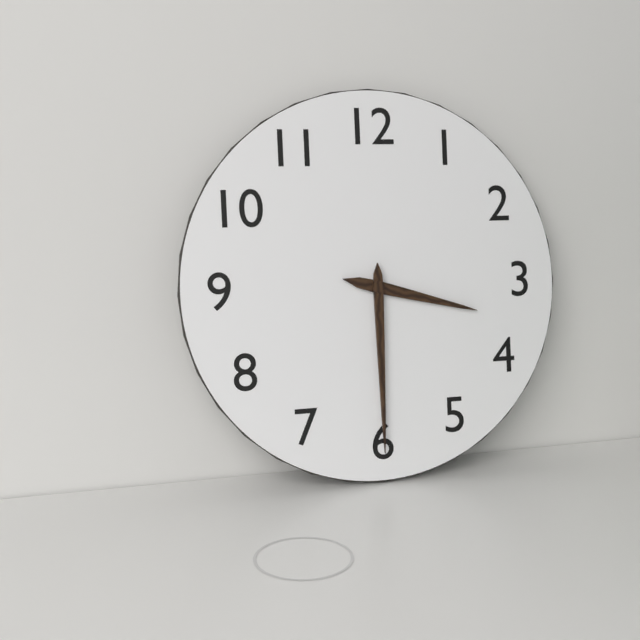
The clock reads h=3 m=30
